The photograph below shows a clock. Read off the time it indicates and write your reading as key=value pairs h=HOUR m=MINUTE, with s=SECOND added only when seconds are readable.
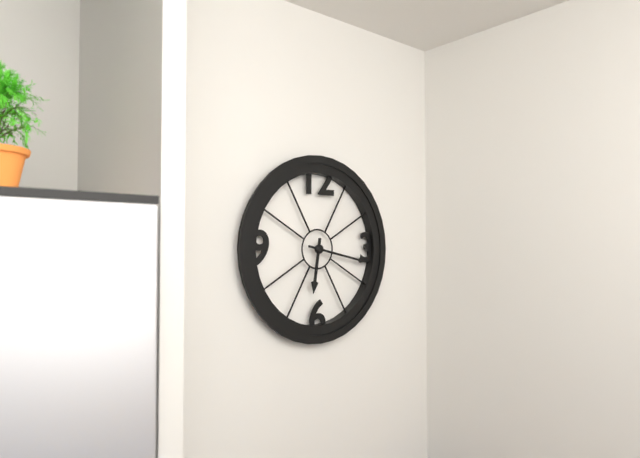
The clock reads h=6 m=17
